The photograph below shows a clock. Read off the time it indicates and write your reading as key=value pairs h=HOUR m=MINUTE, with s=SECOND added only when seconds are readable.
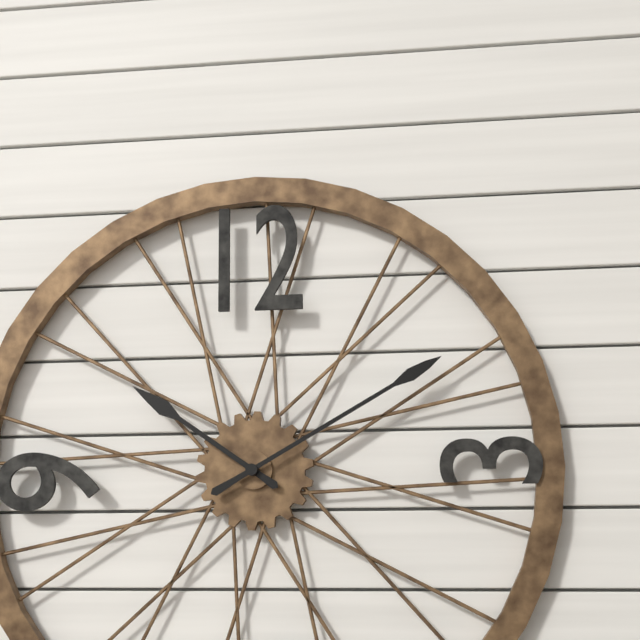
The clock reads h=10 m=10
